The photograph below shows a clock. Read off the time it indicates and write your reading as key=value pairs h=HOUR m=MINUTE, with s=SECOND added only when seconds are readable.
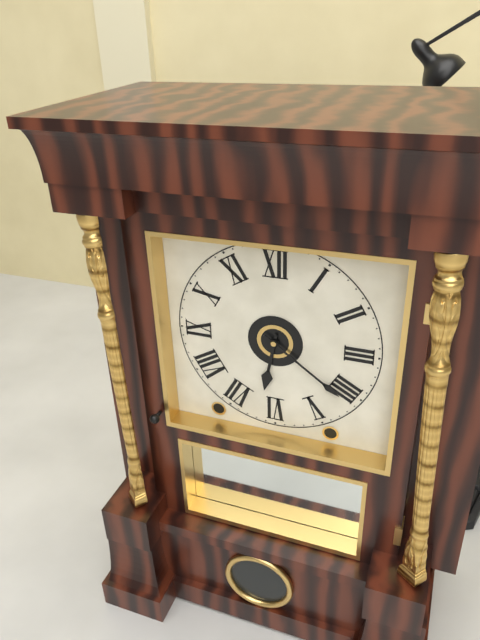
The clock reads h=6 m=21
